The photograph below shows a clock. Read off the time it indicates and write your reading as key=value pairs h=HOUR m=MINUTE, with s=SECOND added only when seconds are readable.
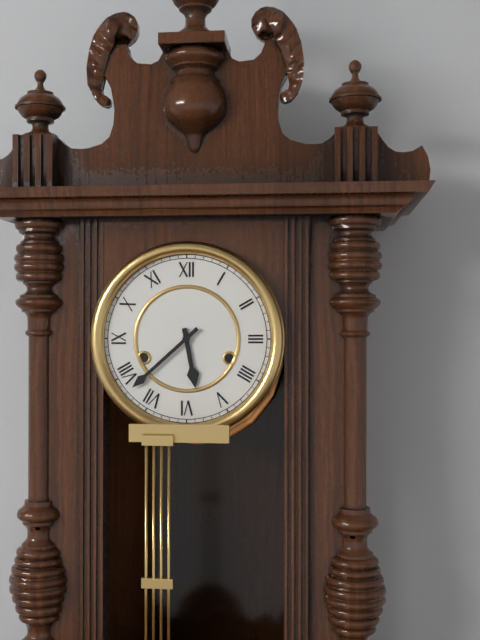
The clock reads h=5 m=38
